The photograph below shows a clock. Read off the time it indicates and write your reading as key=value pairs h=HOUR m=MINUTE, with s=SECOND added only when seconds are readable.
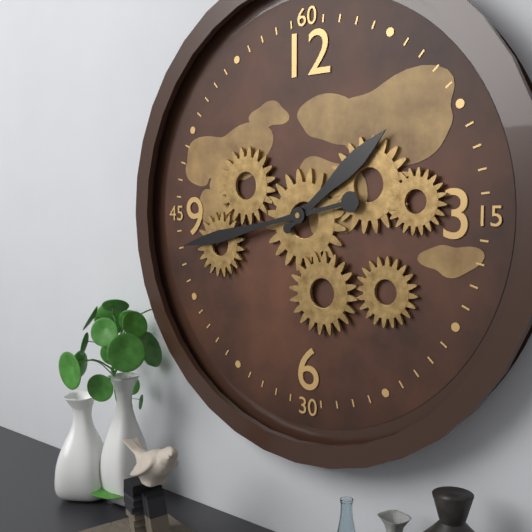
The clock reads h=1 m=43
